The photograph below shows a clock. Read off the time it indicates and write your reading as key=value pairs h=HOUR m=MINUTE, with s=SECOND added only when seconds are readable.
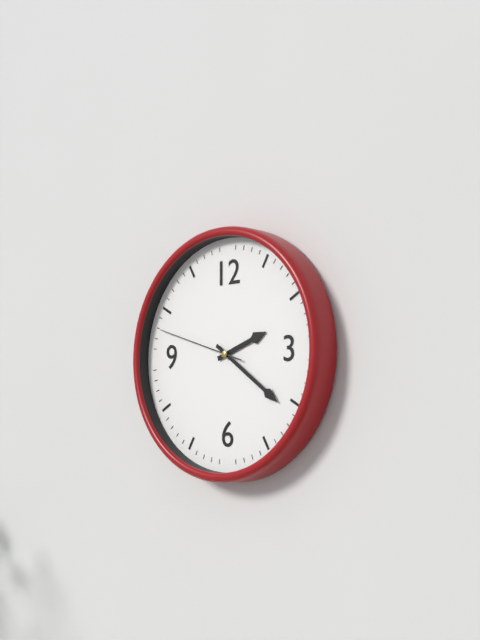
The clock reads h=2 m=21 s=48
